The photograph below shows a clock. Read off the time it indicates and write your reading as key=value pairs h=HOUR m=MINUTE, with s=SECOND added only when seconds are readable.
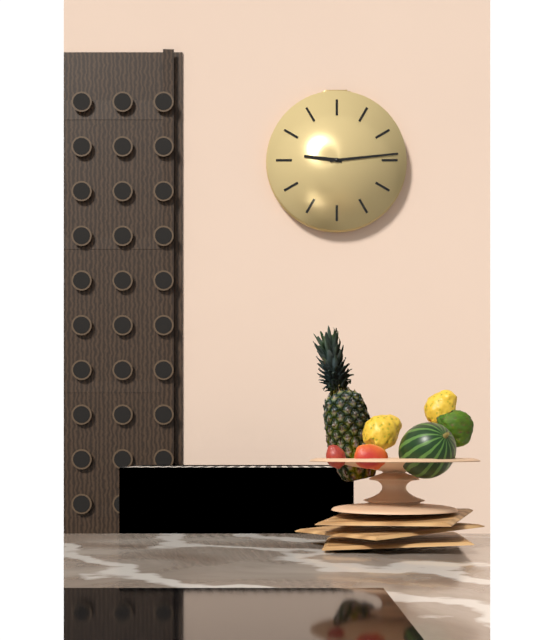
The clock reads h=9 m=14
